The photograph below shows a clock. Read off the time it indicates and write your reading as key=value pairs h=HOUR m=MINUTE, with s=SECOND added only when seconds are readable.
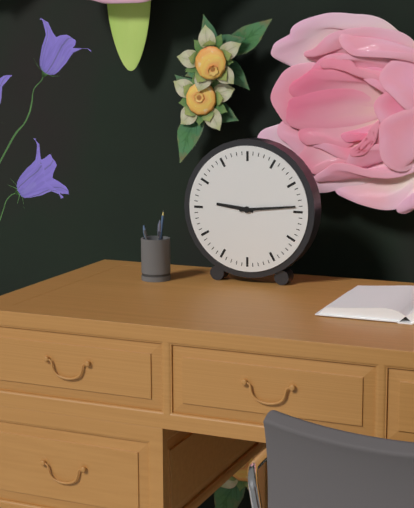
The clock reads h=9 m=14
